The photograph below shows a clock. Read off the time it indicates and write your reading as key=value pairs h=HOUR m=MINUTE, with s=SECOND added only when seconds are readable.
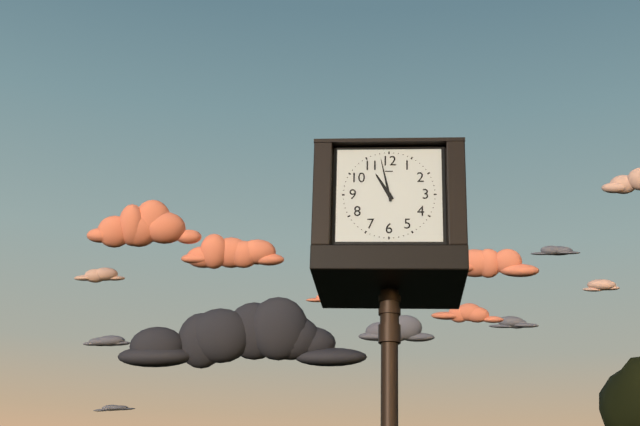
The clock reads h=10 m=58
